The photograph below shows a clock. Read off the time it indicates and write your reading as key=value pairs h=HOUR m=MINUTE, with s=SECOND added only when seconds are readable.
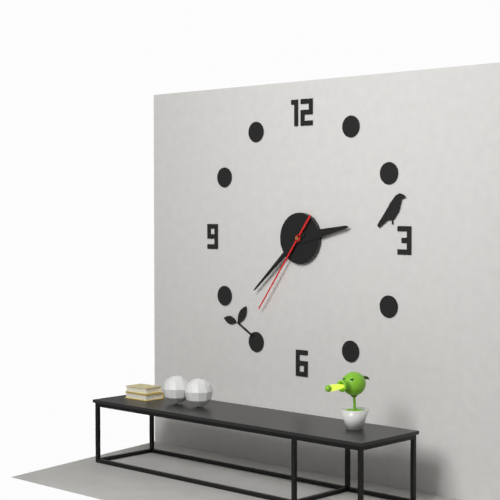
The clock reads h=2 m=38 s=36
